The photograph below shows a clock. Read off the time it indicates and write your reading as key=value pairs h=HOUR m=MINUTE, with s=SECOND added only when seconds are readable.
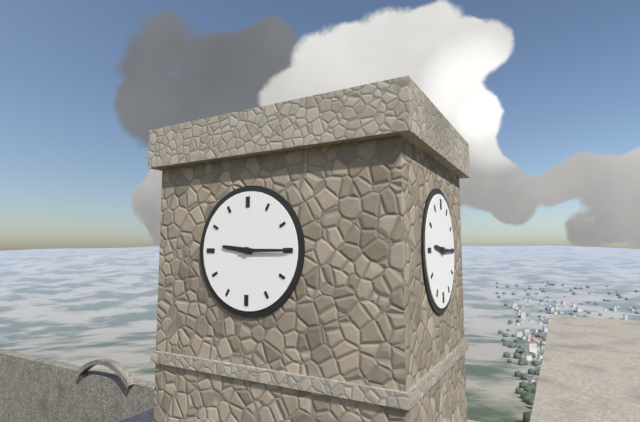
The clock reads h=9 m=15
